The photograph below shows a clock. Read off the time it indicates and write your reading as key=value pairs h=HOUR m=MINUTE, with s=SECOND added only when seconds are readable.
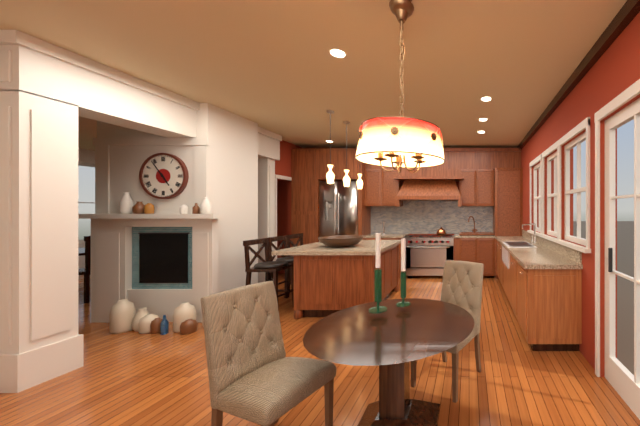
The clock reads h=4 m=54
